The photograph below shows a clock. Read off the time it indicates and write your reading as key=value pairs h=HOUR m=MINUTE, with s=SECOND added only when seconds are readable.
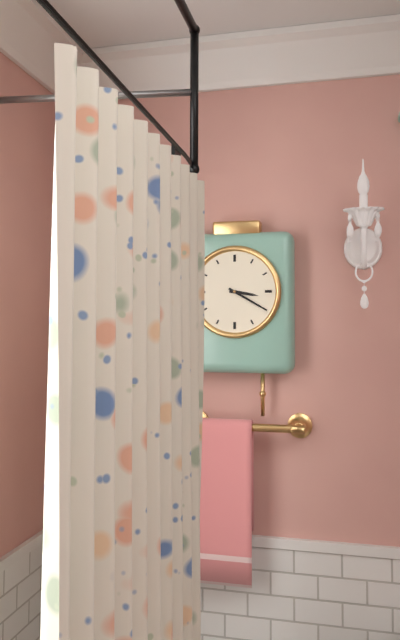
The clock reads h=3 m=20
